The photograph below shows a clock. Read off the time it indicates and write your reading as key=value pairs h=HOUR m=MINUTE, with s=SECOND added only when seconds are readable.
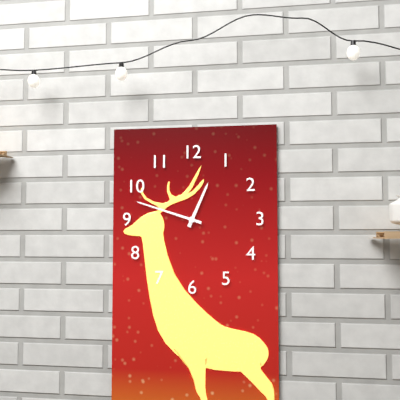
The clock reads h=12 m=48
